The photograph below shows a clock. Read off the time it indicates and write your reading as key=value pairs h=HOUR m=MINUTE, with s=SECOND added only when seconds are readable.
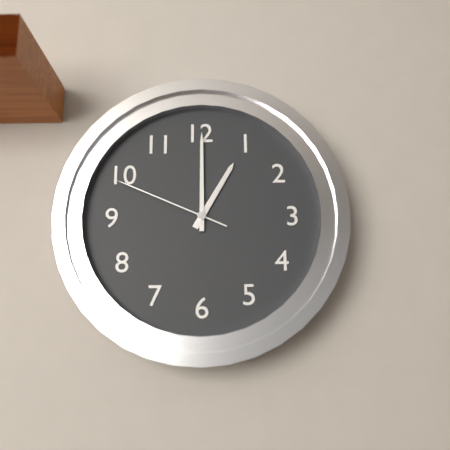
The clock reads h=1 m=0 s=49
